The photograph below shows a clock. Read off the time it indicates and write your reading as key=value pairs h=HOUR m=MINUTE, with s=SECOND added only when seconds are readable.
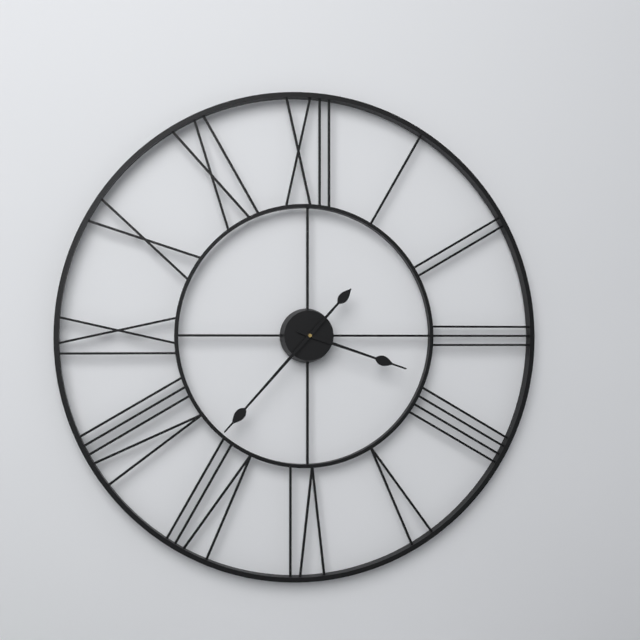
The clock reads h=3 m=37
